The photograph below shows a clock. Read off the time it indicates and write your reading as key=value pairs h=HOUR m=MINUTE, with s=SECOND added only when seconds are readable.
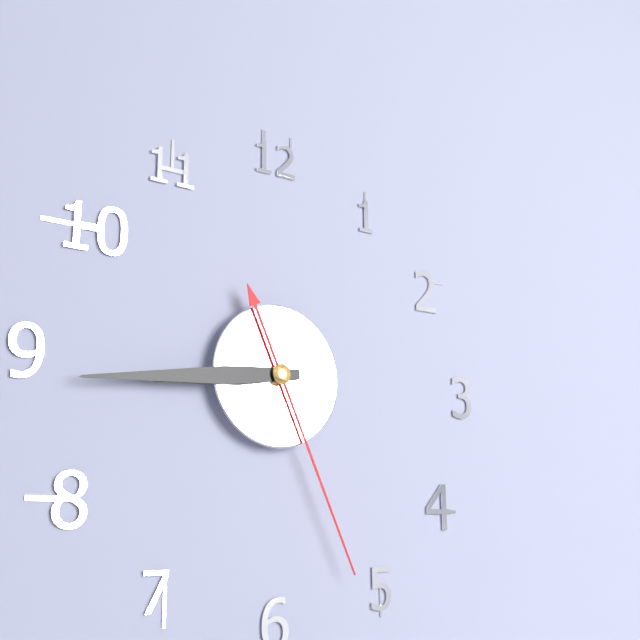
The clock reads h=8 m=44 s=26
